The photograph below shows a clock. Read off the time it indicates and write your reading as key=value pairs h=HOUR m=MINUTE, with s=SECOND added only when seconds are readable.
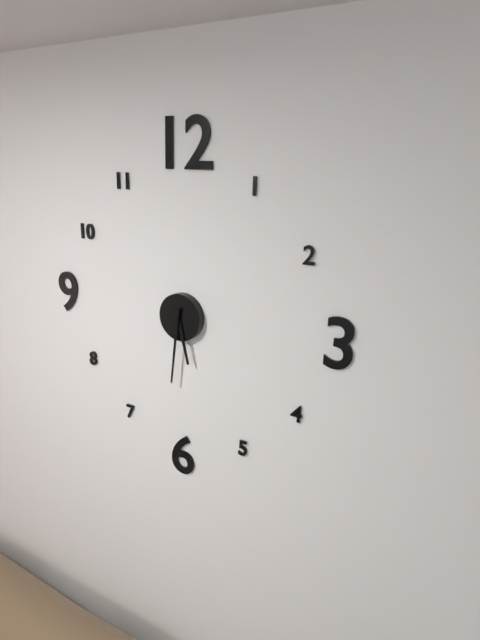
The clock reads h=5 m=31
